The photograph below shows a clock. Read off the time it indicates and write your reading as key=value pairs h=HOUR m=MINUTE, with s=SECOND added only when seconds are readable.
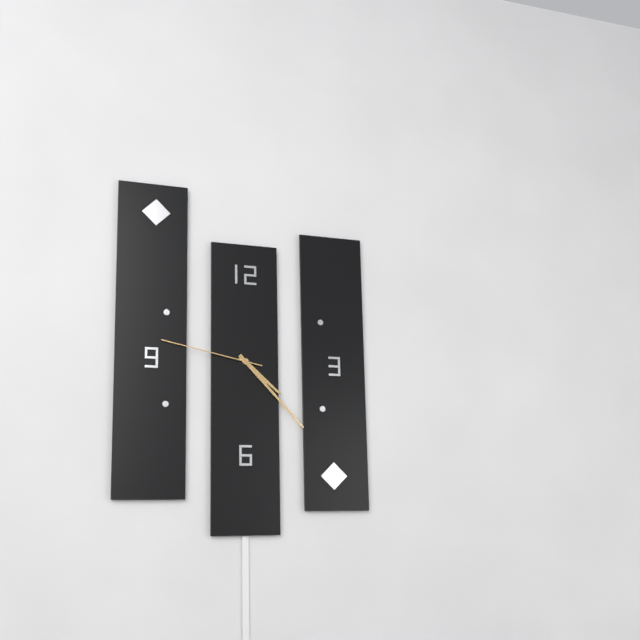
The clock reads h=4 m=23 s=47
